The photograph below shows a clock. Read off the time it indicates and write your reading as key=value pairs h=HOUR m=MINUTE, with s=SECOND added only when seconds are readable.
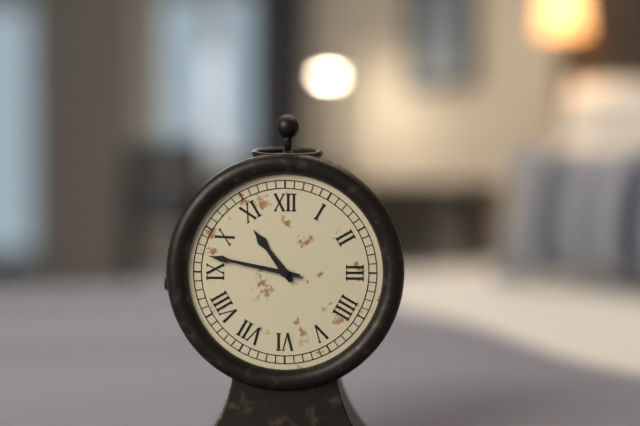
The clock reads h=10 m=47
